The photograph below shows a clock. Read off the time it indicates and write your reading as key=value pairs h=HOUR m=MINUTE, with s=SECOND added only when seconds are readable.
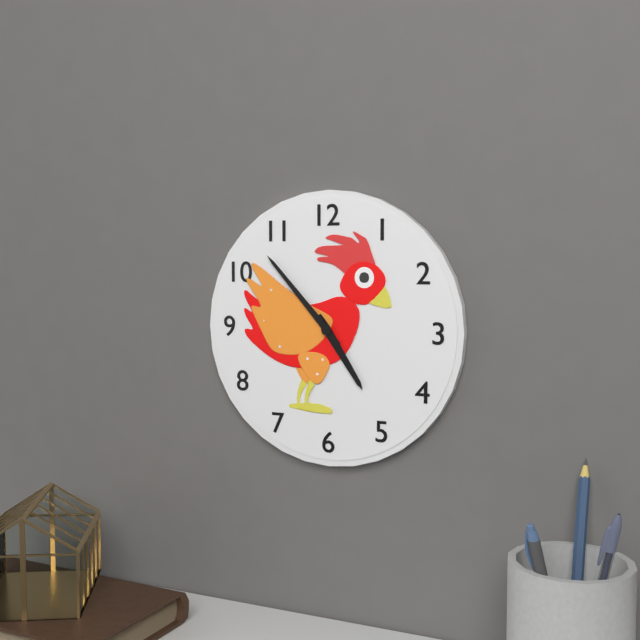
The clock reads h=4 m=53
